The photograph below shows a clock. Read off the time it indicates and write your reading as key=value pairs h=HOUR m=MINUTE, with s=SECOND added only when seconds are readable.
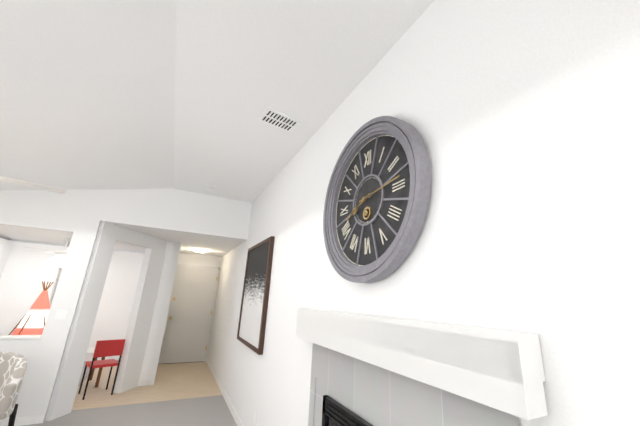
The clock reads h=8 m=14
